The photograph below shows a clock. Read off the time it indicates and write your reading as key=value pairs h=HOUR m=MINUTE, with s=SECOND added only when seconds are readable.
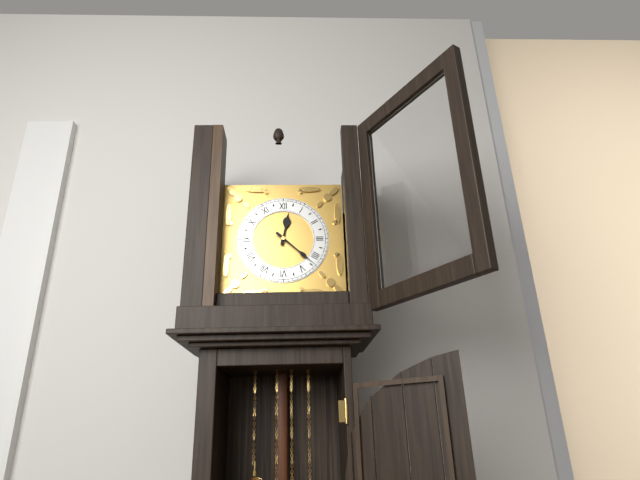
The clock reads h=12 m=22
